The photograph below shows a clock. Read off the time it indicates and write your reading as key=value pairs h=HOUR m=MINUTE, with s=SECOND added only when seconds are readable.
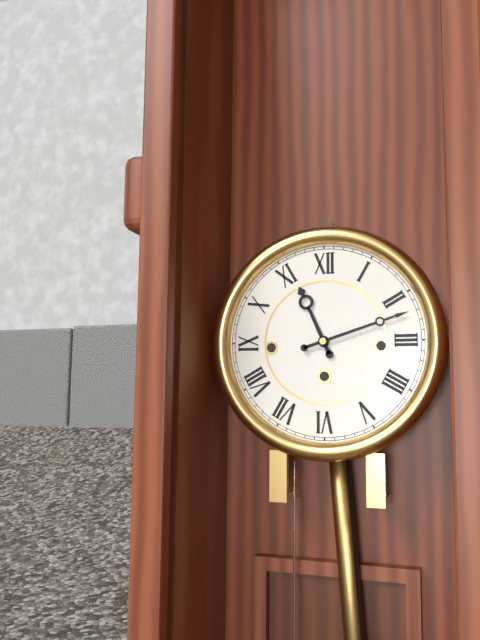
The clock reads h=11 m=12
